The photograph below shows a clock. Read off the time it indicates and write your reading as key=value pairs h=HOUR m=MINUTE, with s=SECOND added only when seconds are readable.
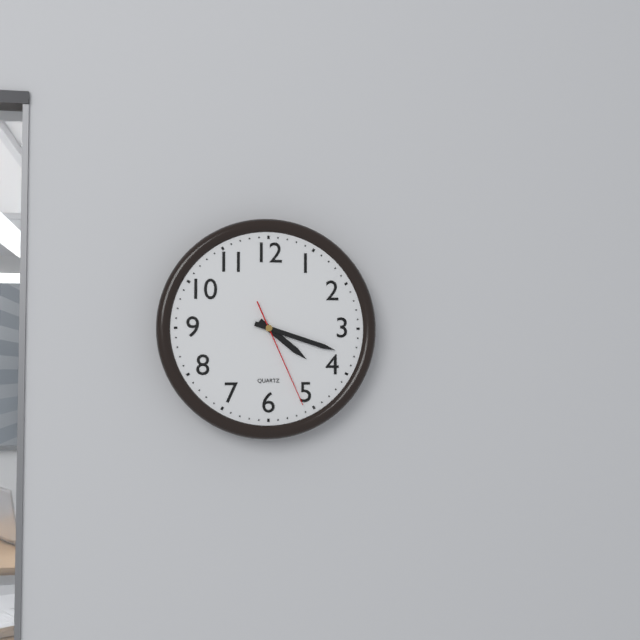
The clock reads h=4 m=18 s=26
